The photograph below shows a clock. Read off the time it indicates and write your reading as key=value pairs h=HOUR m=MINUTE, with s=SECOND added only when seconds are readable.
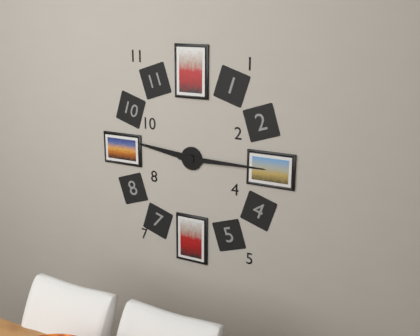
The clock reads h=9 m=15
